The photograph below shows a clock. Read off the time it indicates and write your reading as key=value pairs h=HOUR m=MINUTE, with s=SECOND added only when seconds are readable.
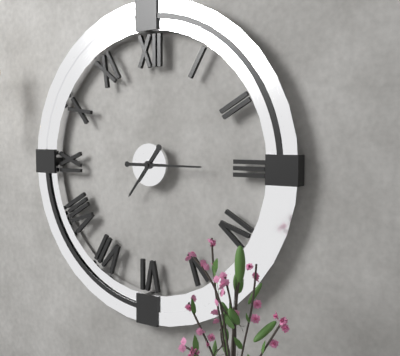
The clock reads h=7 m=15
